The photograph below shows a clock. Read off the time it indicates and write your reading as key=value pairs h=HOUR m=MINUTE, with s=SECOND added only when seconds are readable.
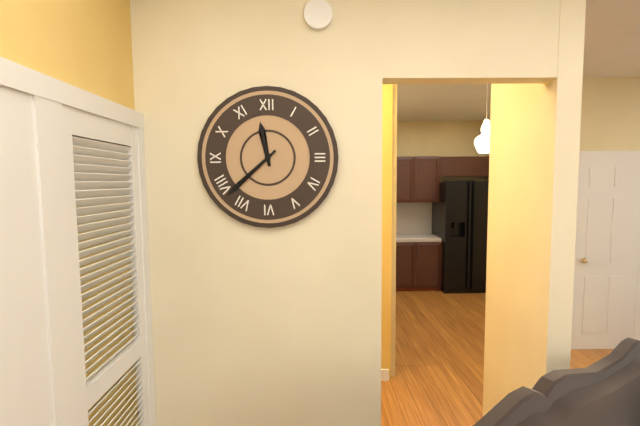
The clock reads h=11 m=38
